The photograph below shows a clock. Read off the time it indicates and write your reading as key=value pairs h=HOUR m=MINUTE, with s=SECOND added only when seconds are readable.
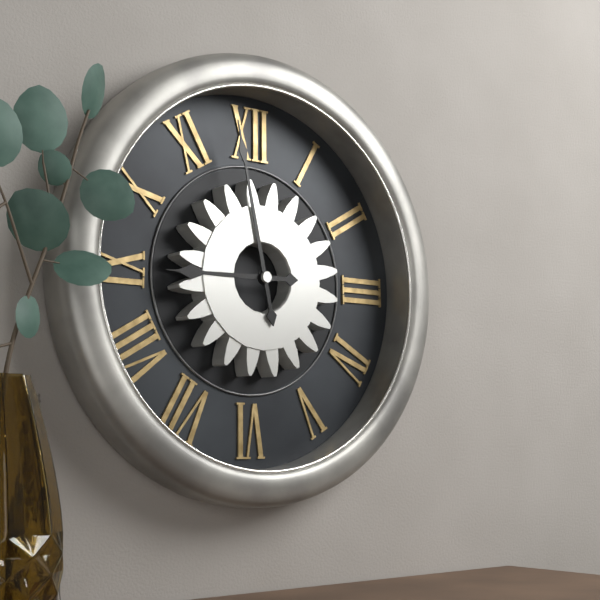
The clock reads h=8 m=58
